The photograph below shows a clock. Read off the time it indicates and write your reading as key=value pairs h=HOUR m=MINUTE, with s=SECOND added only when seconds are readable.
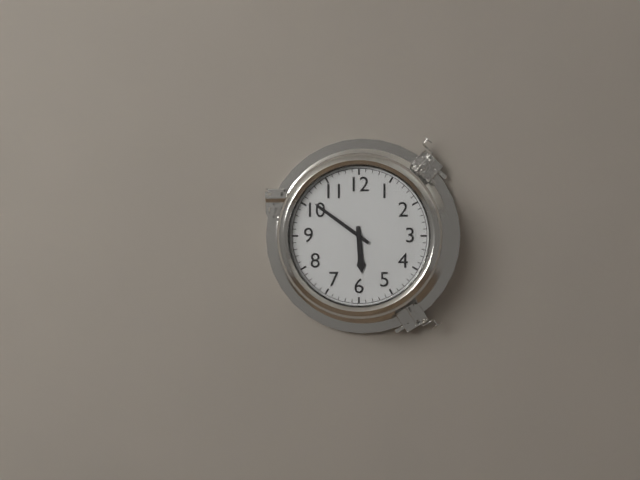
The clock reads h=5 m=51
